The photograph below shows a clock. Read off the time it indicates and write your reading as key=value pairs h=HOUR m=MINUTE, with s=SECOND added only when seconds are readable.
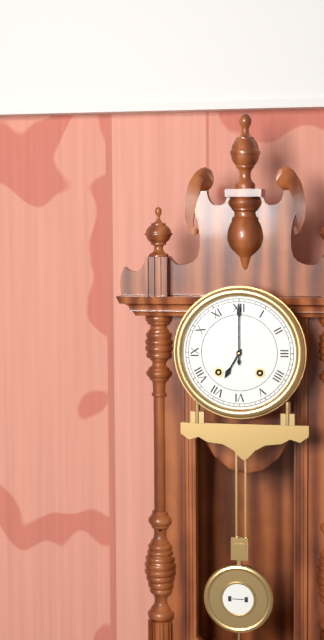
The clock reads h=7 m=0
